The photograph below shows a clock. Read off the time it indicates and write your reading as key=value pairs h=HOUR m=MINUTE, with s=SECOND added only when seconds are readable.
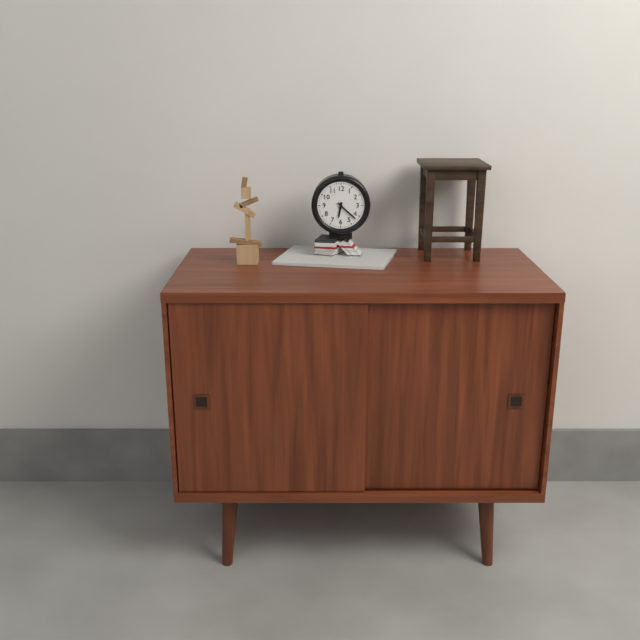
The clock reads h=6 m=22
